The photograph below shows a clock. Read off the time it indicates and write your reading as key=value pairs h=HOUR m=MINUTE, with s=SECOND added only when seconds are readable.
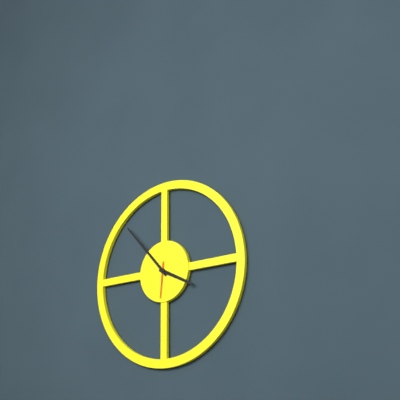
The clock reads h=3 m=53
